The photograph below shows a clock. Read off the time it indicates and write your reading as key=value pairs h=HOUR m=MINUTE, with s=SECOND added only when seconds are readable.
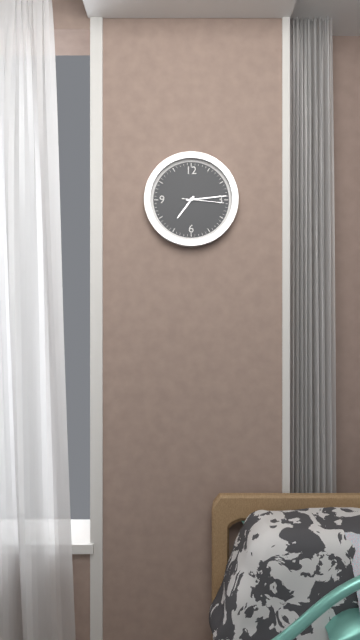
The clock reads h=7 m=14
